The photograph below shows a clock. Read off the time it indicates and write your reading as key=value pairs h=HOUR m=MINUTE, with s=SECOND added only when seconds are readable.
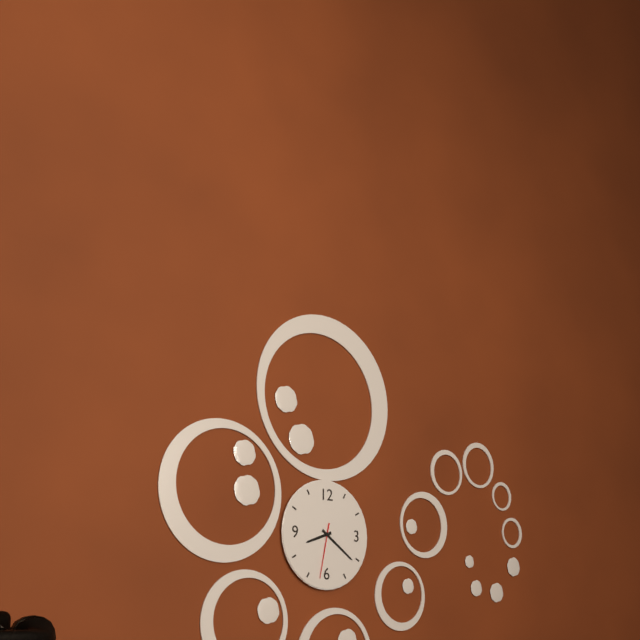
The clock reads h=8 m=21 s=32
